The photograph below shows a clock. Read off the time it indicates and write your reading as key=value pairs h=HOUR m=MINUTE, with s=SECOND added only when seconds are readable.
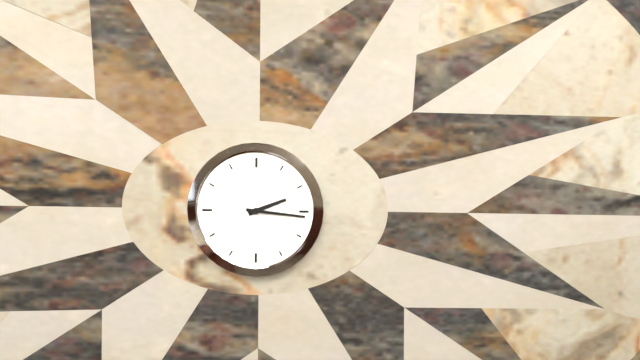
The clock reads h=2 m=16
